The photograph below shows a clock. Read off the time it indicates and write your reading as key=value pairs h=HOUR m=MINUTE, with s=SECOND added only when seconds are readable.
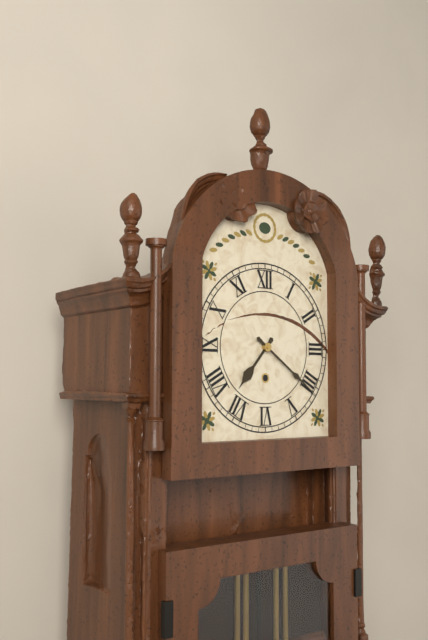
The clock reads h=7 m=21
